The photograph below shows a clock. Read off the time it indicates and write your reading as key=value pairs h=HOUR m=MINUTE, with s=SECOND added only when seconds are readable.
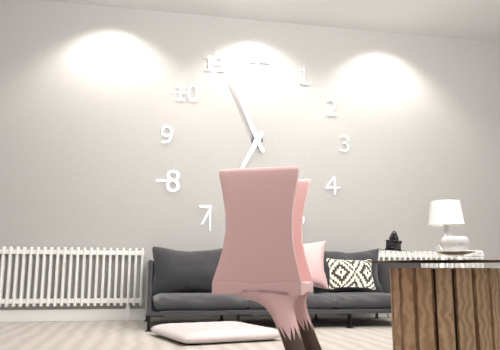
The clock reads h=6 m=56
